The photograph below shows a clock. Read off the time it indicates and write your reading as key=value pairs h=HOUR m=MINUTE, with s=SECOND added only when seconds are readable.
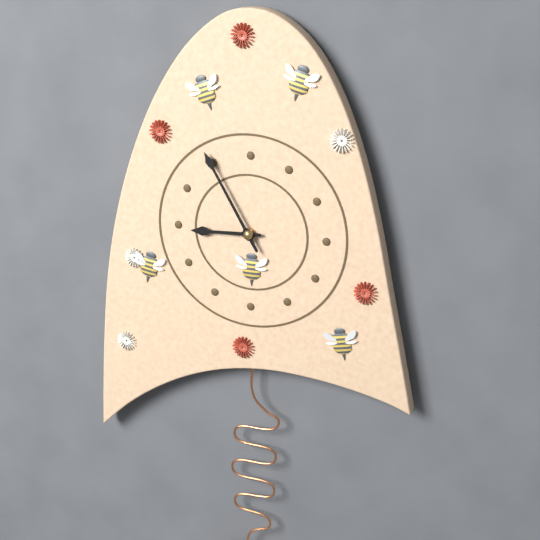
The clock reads h=8 m=55
